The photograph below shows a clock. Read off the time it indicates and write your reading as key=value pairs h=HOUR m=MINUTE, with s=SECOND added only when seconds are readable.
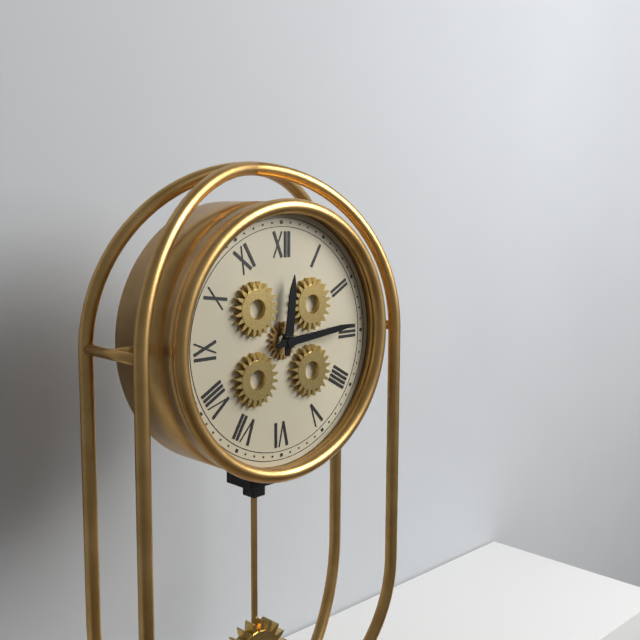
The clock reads h=12 m=14
